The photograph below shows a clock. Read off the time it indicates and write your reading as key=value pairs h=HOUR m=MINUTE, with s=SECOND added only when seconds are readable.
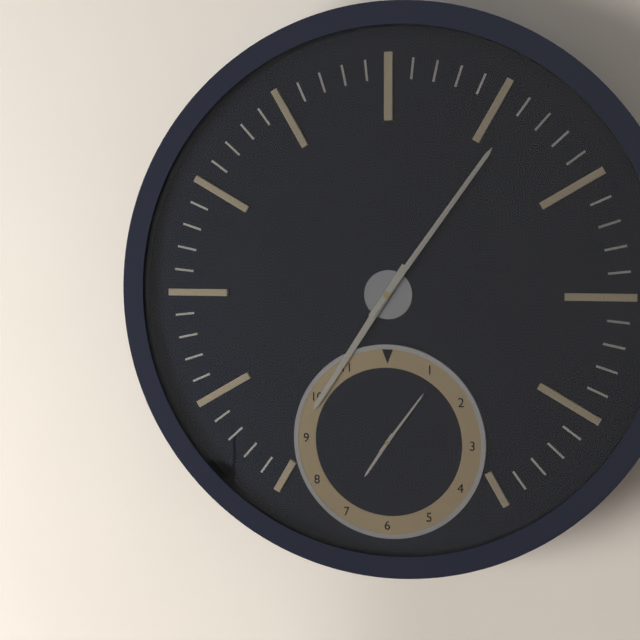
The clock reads h=7 m=6
